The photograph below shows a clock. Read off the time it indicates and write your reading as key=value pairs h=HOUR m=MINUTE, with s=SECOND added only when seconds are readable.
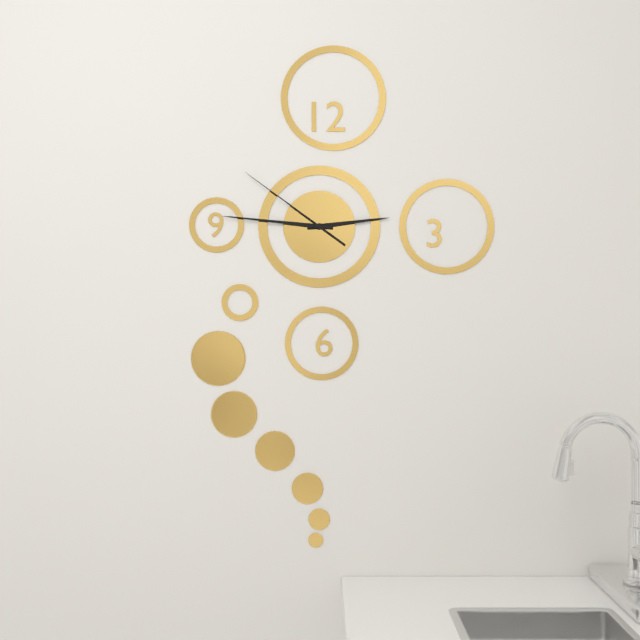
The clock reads h=2 m=46 s=51
